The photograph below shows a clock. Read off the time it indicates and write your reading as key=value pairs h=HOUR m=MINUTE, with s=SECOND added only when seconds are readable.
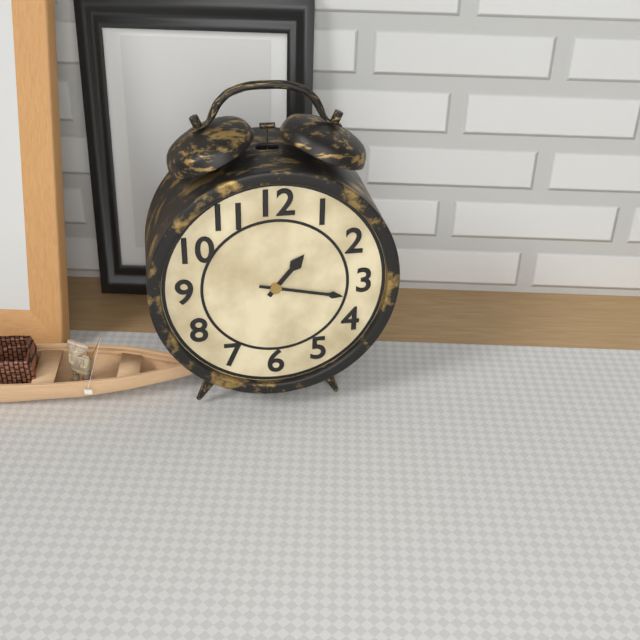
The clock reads h=1 m=17
